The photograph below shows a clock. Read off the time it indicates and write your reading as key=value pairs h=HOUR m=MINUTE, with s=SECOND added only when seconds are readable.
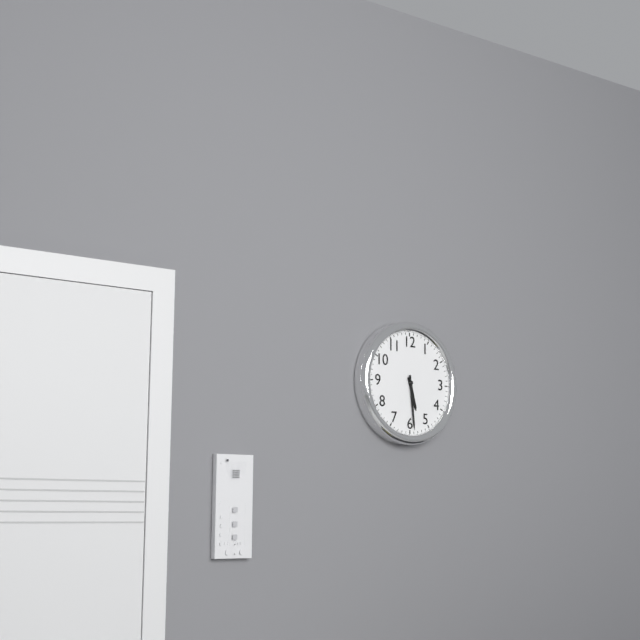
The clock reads h=5 m=29
